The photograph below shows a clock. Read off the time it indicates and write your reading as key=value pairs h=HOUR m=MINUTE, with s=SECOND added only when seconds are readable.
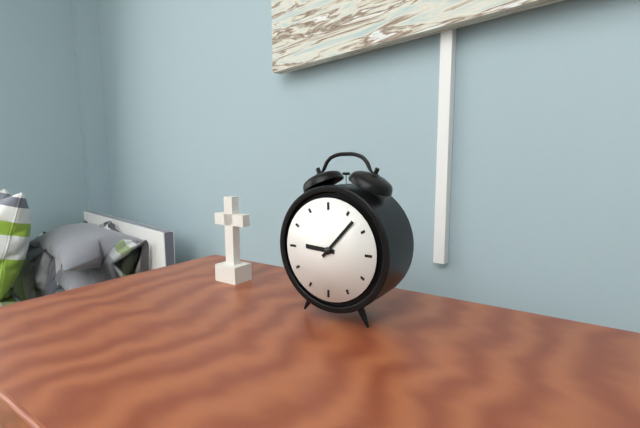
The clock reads h=9 m=7
